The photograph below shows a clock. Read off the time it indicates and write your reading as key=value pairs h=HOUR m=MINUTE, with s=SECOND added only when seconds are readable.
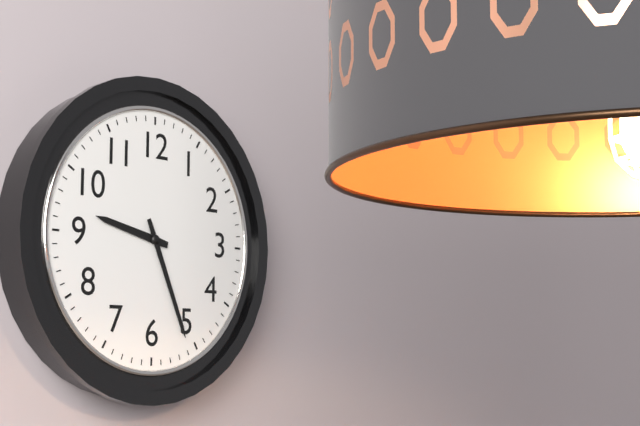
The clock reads h=9 m=26
